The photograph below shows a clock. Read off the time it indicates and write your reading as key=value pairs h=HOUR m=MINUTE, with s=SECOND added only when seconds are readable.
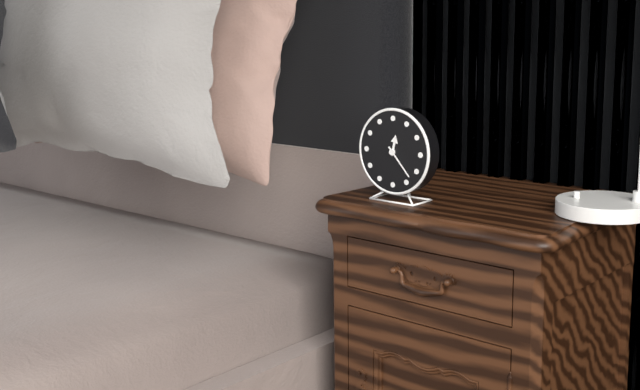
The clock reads h=12 m=23
